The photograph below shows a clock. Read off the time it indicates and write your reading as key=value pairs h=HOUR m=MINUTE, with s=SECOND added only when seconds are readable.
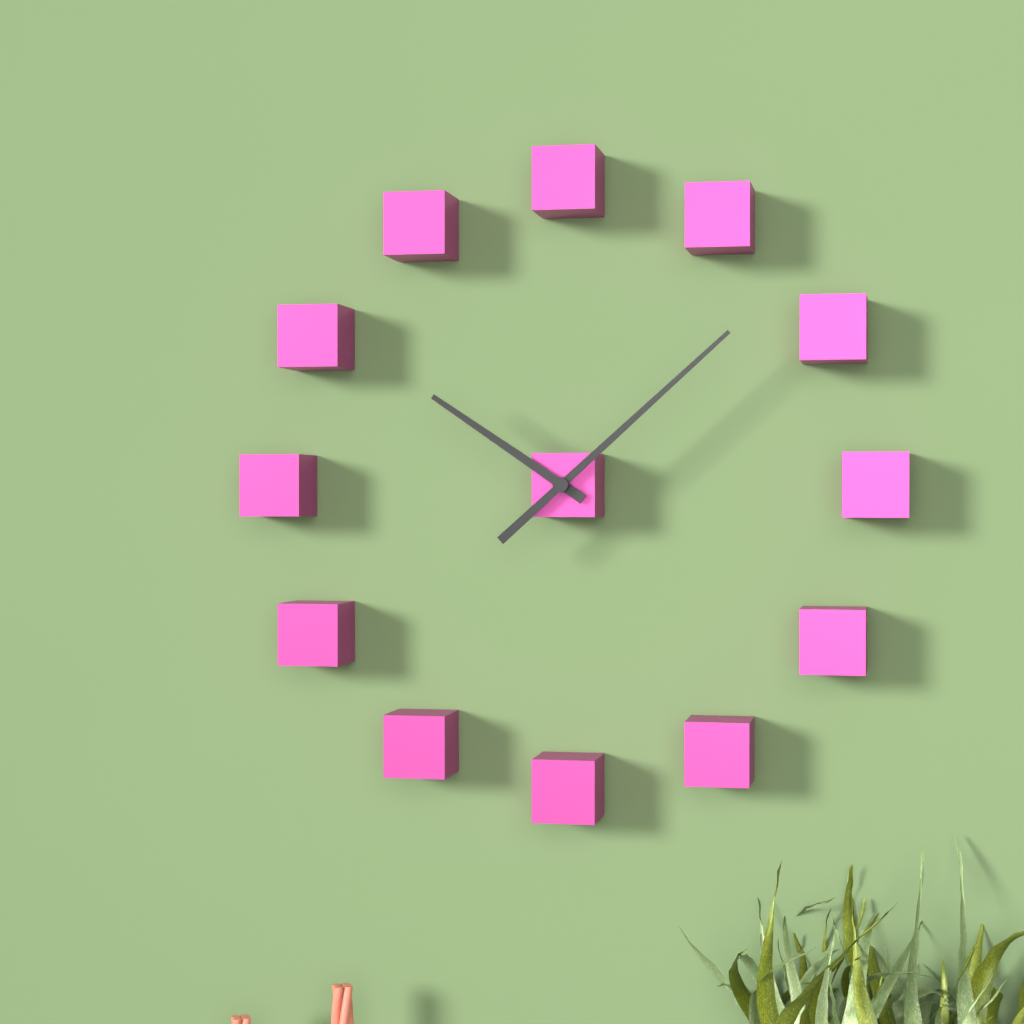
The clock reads h=10 m=8
